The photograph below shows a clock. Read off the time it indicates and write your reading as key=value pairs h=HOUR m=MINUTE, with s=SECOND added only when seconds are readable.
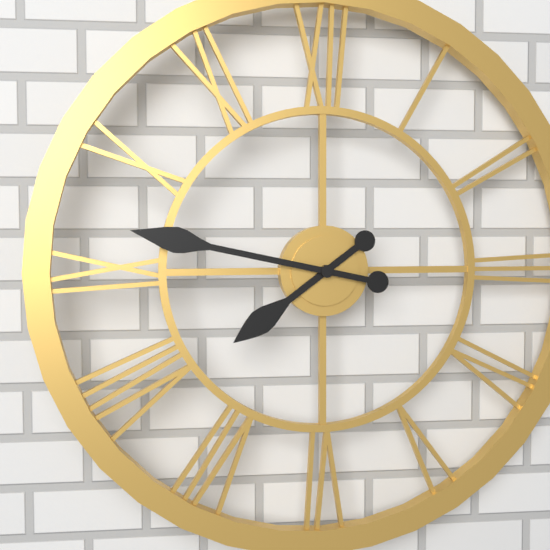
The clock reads h=7 m=47
